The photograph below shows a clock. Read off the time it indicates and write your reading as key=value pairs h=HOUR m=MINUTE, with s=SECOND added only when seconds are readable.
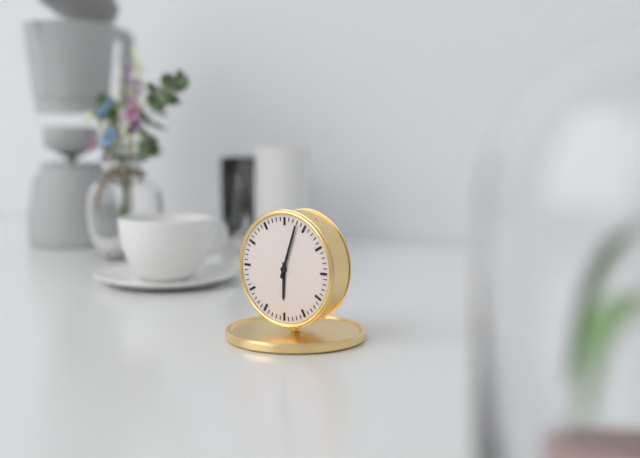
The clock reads h=6 m=3
